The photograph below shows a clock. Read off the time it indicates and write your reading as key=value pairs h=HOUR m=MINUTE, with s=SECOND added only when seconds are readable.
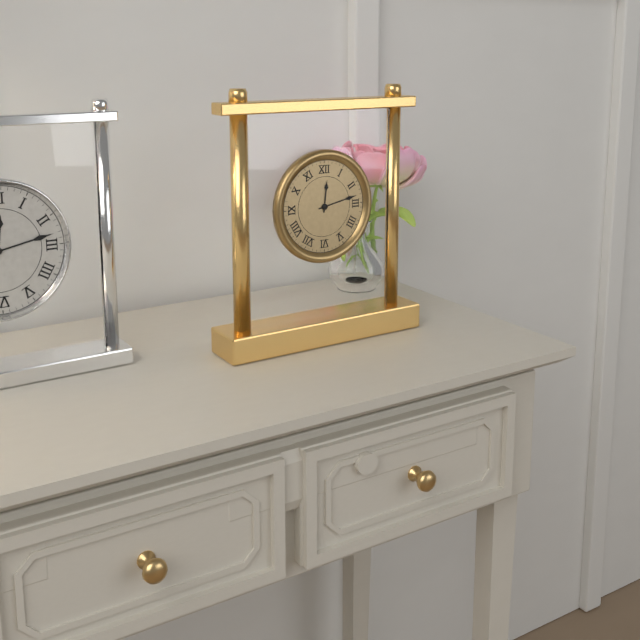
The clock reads h=12 m=13
